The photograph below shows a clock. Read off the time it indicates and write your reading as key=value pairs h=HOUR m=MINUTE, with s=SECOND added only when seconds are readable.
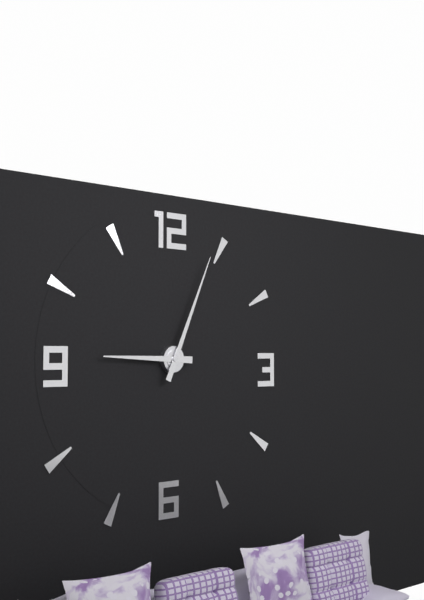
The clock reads h=9 m=4
